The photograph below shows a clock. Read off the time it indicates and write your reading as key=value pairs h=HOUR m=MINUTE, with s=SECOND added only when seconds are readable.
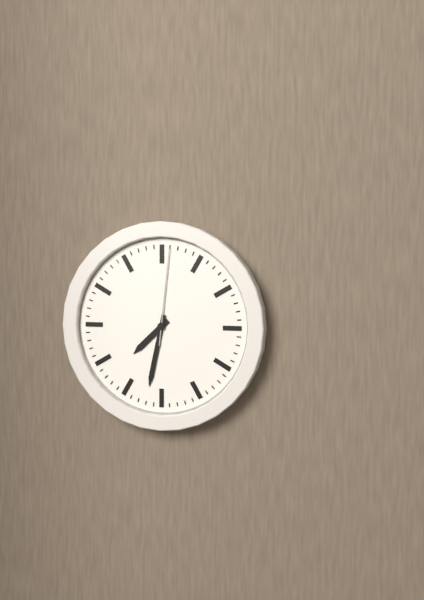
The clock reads h=7 m=32 s=1
